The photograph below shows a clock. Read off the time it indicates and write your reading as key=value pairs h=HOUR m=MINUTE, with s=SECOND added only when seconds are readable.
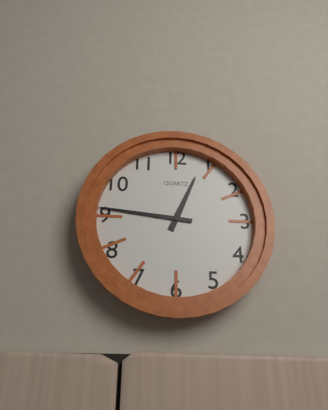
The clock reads h=12 m=46
